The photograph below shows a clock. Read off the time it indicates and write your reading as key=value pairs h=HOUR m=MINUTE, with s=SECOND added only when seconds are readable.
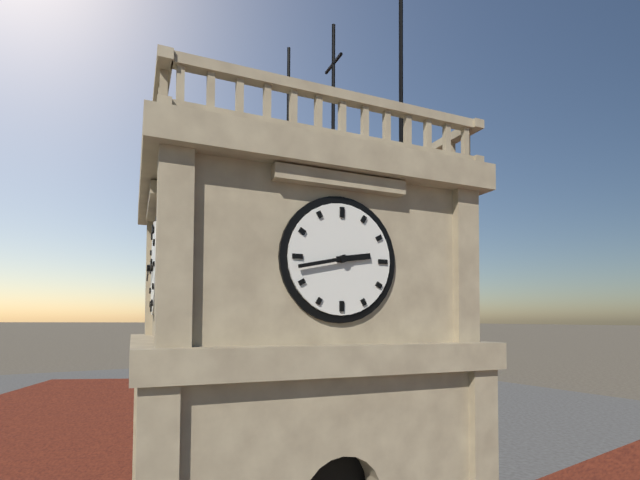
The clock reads h=2 m=43
